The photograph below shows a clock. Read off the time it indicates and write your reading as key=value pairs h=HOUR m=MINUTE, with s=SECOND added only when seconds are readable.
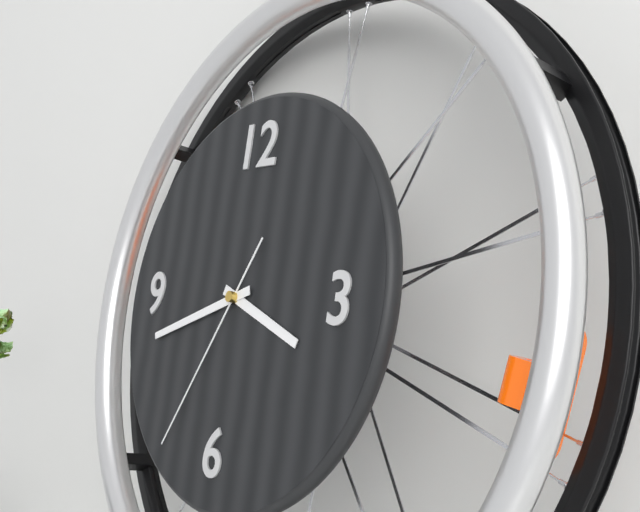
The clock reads h=3 m=42 s=35
